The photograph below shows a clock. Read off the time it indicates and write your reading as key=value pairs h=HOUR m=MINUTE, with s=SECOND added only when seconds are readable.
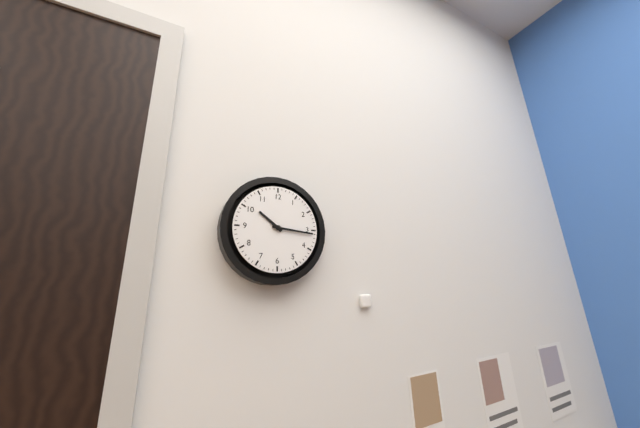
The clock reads h=10 m=16
